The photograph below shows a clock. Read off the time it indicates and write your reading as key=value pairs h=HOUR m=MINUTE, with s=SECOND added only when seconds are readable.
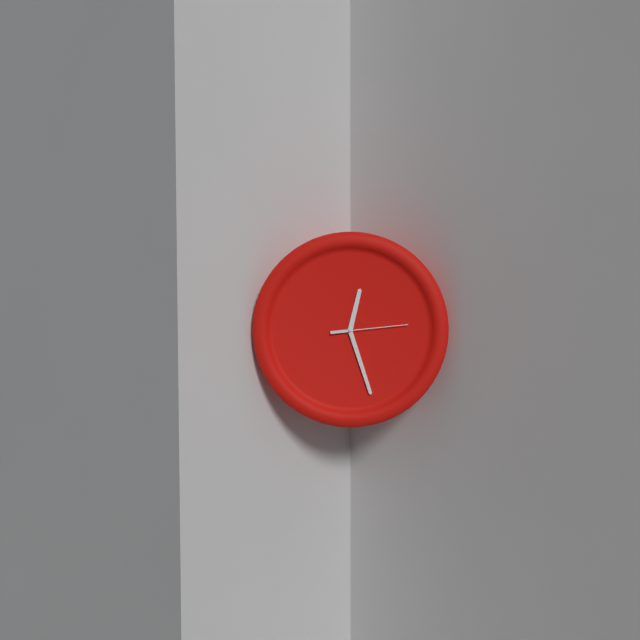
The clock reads h=12 m=27 s=14
